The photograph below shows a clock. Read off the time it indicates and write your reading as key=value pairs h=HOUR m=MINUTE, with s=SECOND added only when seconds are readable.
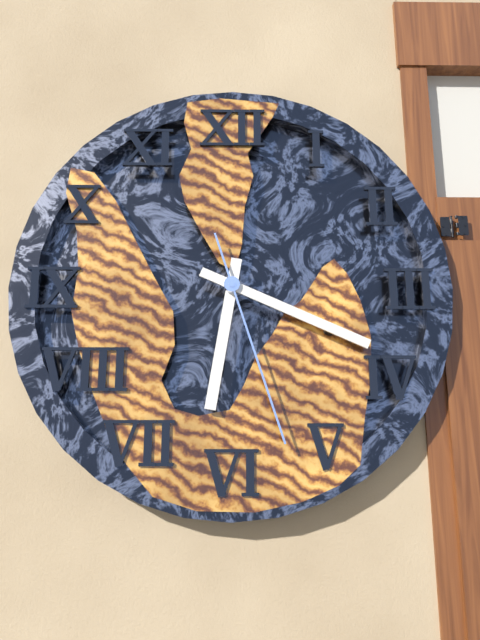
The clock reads h=6 m=19 s=27
